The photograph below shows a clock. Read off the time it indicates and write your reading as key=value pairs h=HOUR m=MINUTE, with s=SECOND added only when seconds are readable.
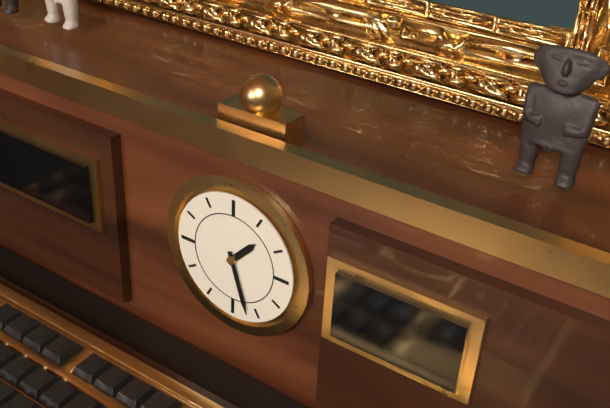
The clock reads h=1 m=27
